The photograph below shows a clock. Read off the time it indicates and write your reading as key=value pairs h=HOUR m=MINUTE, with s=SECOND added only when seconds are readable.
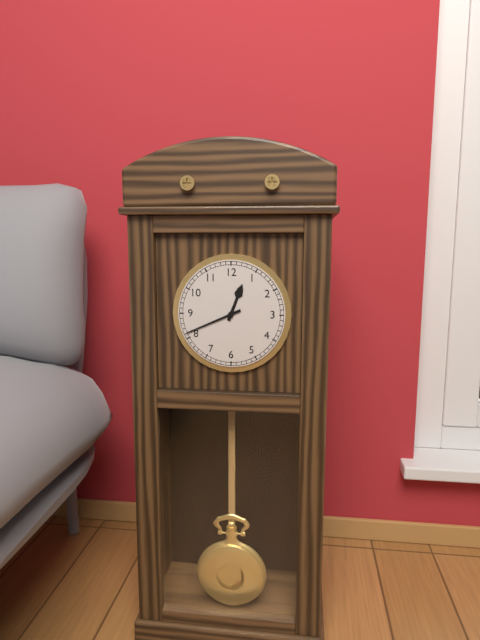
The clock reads h=12 m=41
